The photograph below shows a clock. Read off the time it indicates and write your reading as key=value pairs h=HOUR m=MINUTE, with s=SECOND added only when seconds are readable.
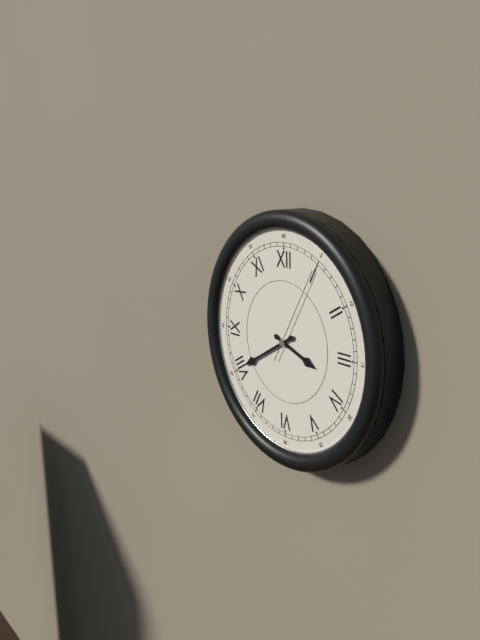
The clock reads h=3 m=40 s=5
